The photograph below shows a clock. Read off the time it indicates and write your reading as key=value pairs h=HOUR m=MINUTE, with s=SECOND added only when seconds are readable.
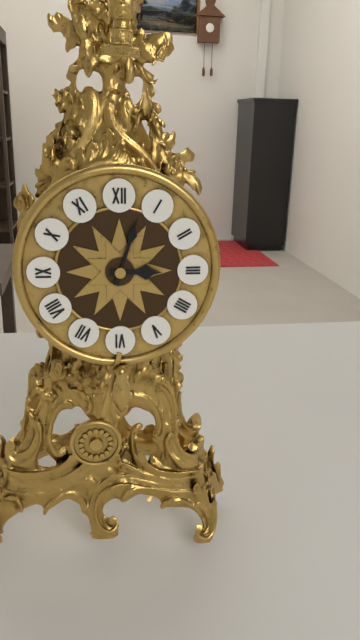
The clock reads h=3 m=3
